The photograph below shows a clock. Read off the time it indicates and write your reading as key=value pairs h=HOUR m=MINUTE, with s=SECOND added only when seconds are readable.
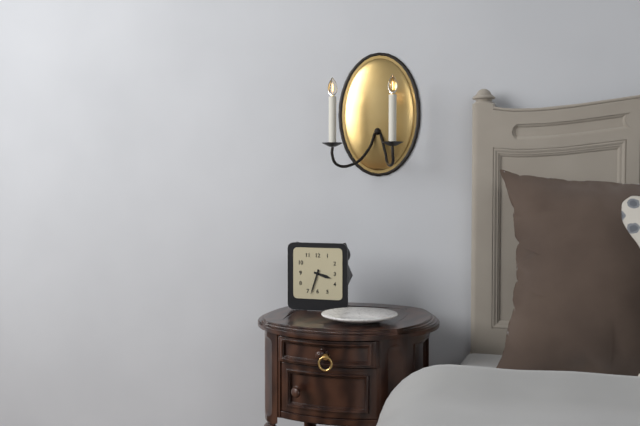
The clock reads h=3 m=33
